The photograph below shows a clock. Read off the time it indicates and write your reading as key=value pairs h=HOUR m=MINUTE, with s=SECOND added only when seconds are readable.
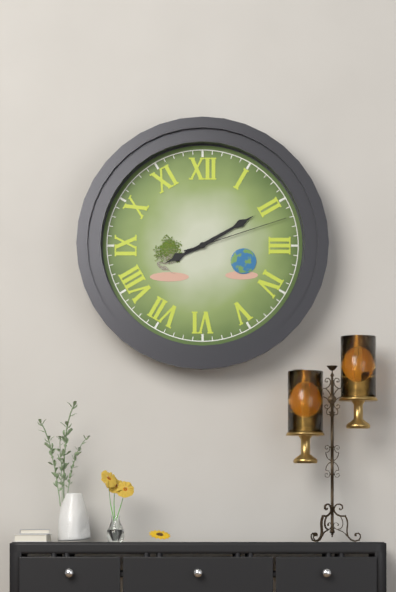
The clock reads h=8 m=10 s=12
